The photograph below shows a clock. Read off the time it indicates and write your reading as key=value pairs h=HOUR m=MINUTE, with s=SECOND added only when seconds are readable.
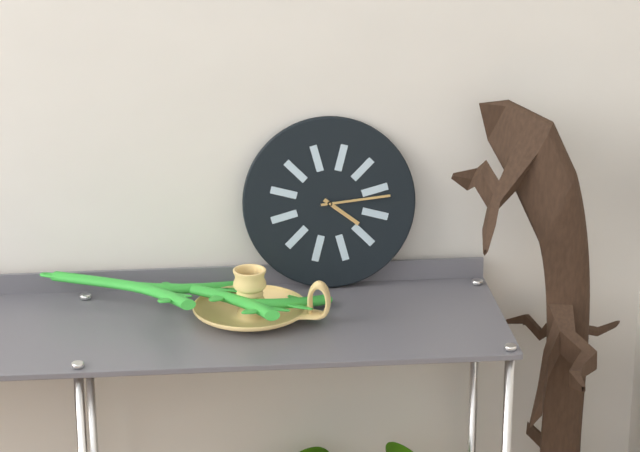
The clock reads h=4 m=14
